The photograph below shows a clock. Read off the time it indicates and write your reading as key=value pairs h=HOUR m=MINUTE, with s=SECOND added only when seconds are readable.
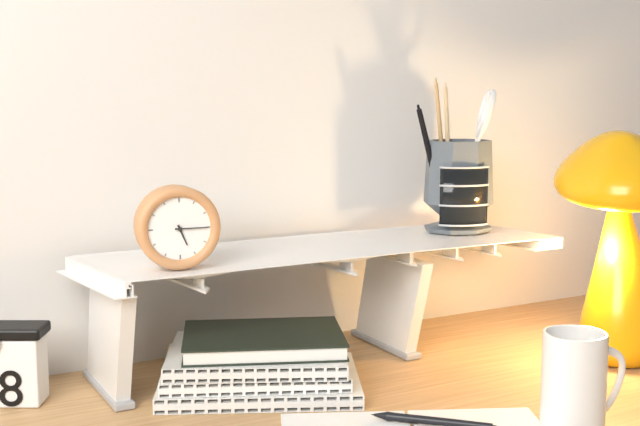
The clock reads h=5 m=15
